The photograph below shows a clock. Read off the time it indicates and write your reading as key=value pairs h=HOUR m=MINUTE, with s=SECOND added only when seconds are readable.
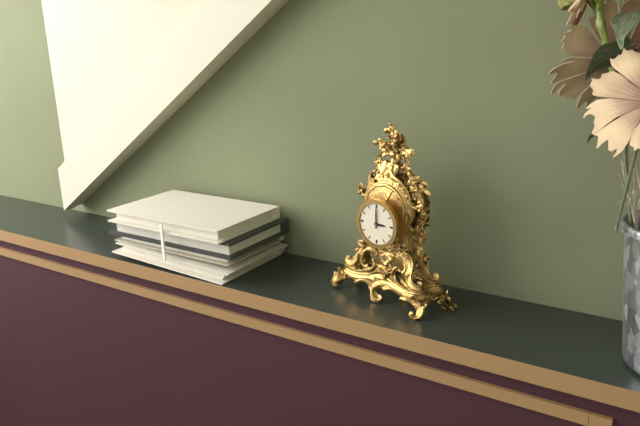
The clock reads h=3 m=0
